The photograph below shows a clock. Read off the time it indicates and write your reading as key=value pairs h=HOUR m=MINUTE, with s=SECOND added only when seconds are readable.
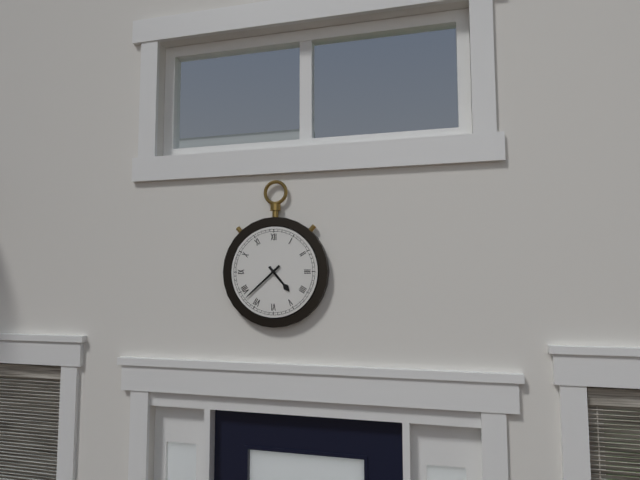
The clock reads h=4 m=38
